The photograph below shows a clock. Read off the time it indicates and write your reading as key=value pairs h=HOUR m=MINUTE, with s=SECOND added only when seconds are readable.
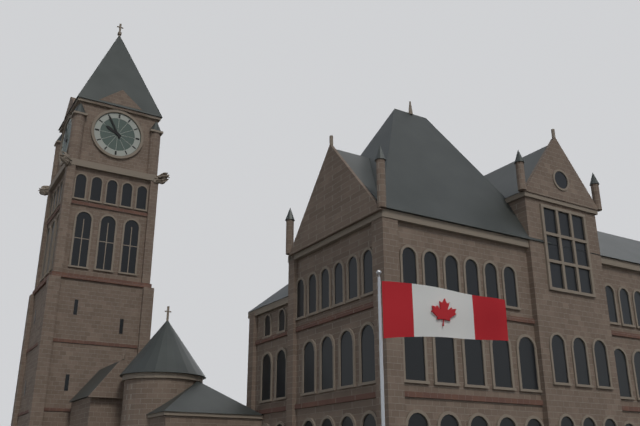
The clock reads h=9 m=55
